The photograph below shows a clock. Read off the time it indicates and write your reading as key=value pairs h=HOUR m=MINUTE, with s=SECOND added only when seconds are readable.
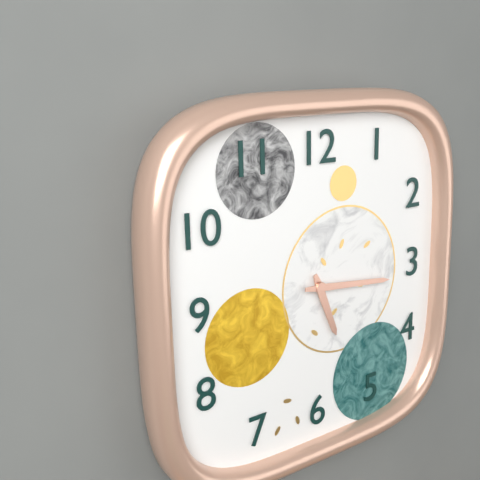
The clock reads h=5 m=16
